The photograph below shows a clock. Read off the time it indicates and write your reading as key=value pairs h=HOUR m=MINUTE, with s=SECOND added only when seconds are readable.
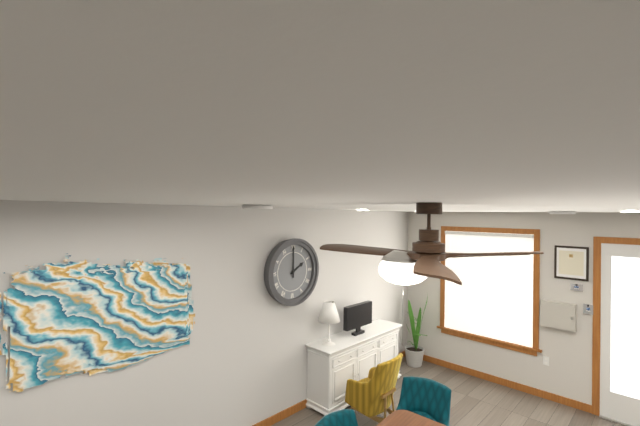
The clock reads h=2 m=0
